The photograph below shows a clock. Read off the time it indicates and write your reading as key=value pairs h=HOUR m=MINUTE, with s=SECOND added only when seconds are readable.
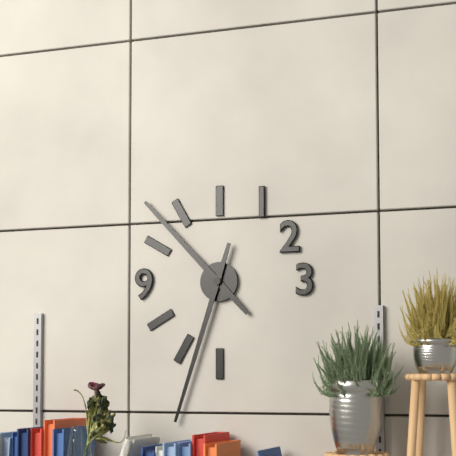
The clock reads h=10 m=33
